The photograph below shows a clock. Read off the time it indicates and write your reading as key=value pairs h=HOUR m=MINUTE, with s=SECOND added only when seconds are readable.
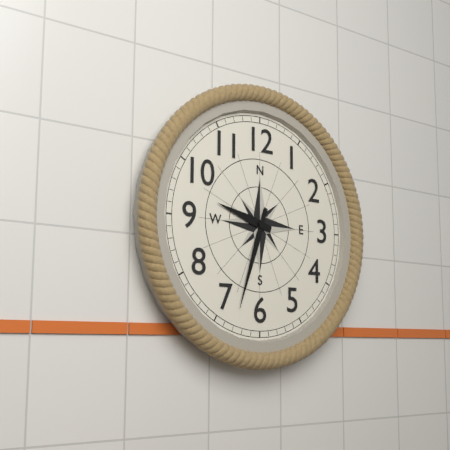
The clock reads h=9 m=33
